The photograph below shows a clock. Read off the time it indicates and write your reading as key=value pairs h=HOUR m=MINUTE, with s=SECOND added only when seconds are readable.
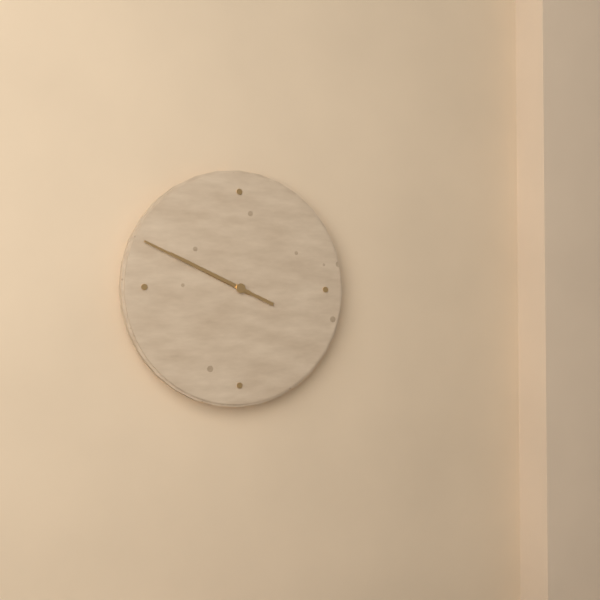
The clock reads h=9 m=49
